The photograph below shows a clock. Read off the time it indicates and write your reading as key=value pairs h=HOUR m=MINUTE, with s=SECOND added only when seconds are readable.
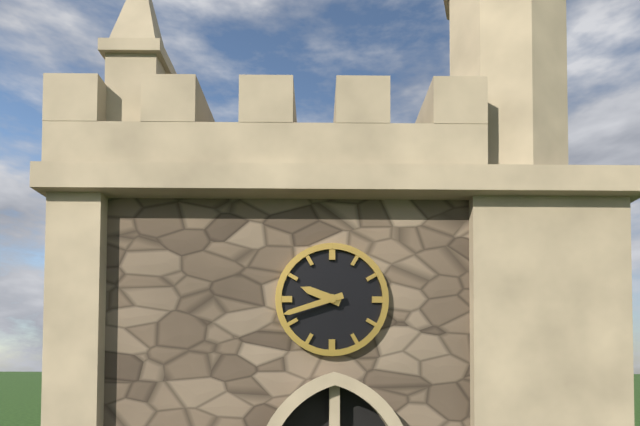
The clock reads h=9 m=42
